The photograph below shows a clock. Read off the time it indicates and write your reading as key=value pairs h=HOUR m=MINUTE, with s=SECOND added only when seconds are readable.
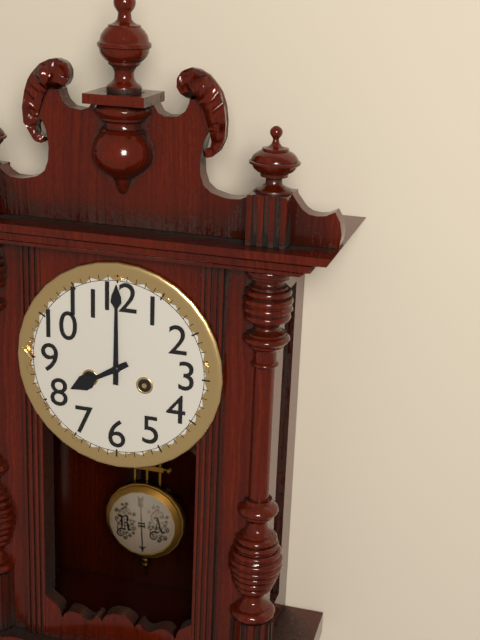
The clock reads h=8 m=0
